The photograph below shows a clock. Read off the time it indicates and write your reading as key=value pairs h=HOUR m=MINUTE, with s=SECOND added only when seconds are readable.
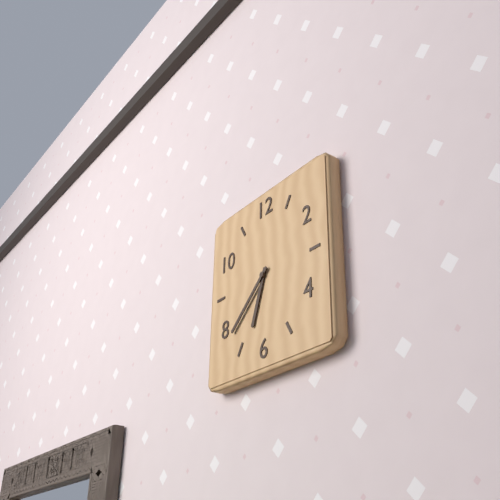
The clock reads h=6 m=38
